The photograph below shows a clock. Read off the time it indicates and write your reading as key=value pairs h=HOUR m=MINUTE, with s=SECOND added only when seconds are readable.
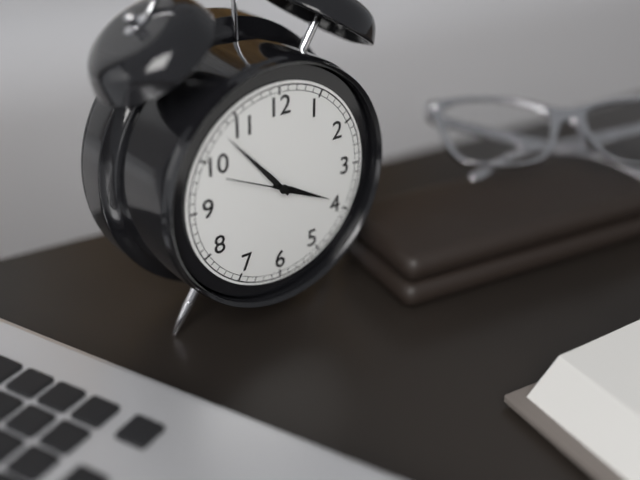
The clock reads h=3 m=53 s=49
